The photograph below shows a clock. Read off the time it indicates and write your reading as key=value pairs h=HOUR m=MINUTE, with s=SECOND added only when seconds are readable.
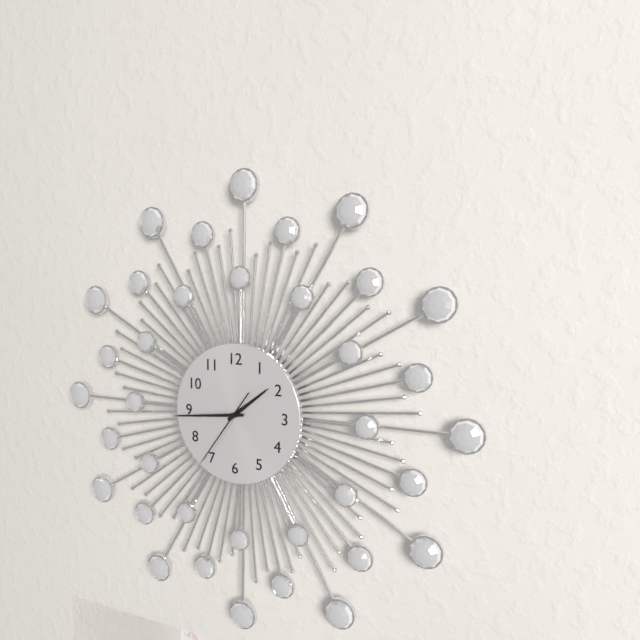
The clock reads h=1 m=44 s=36
